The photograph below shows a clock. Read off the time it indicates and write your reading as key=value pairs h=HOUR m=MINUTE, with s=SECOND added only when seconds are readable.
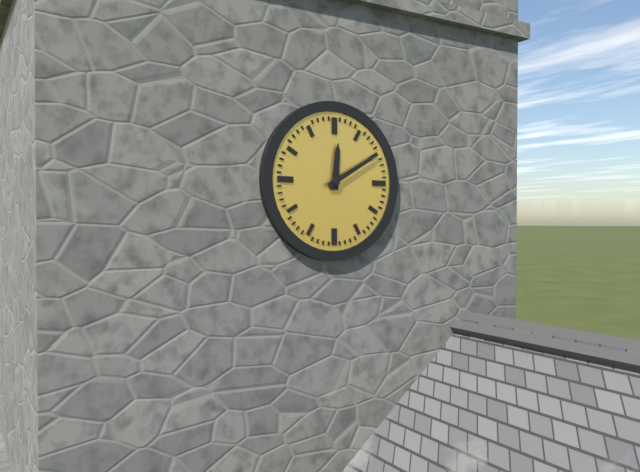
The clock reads h=12 m=10
